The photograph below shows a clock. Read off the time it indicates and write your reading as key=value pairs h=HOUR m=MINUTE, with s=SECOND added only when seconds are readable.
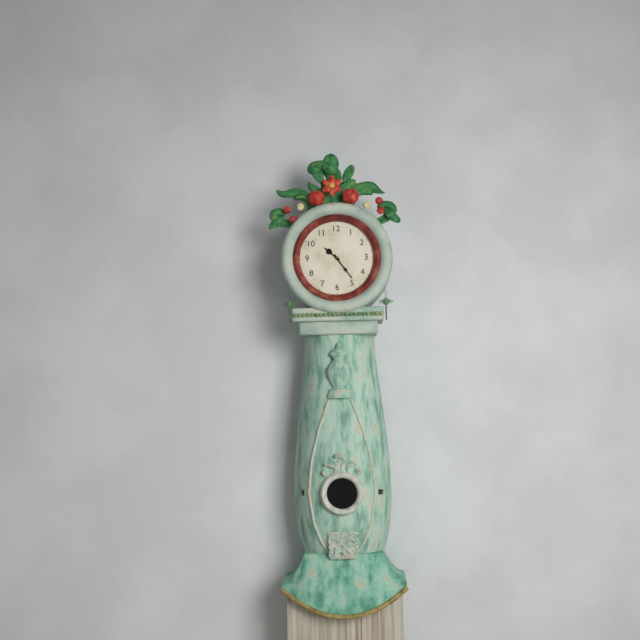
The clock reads h=10 m=24
